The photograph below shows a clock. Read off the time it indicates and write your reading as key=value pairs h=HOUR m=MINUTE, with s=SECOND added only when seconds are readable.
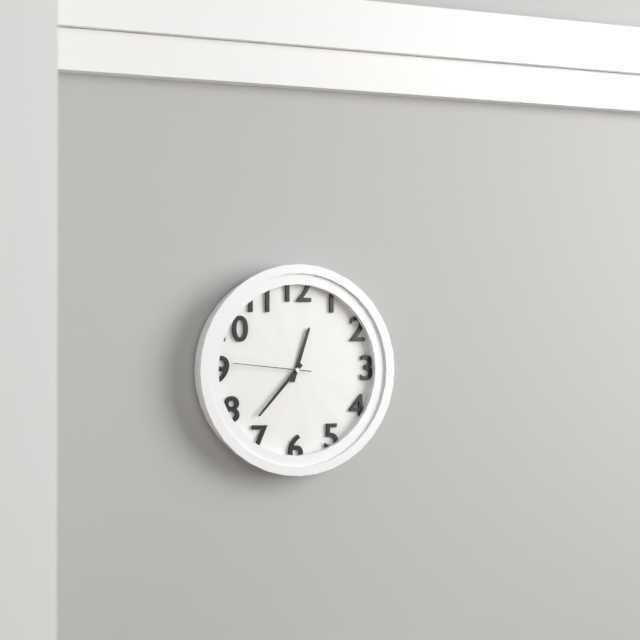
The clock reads h=12 m=37 s=46
